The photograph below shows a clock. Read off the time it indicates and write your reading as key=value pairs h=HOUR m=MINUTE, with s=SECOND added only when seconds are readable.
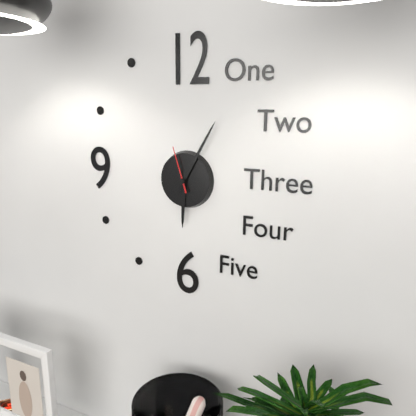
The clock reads h=6 m=5
